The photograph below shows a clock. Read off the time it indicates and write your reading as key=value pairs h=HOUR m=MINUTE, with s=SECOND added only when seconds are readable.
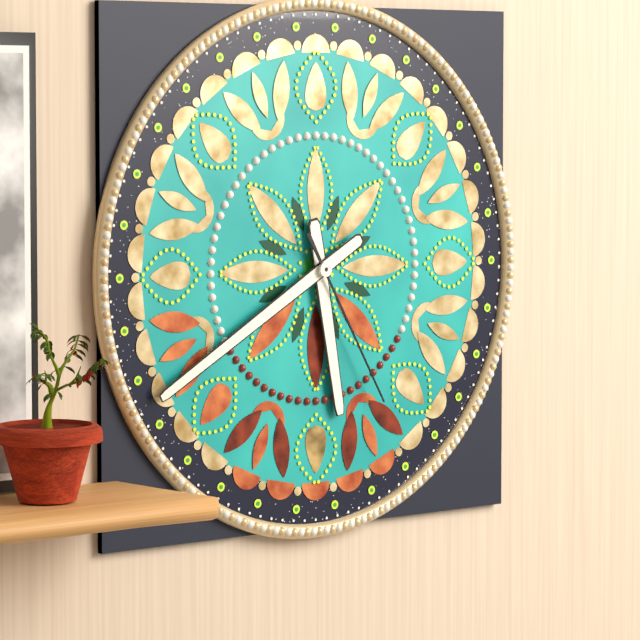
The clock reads h=5 m=40 s=25
